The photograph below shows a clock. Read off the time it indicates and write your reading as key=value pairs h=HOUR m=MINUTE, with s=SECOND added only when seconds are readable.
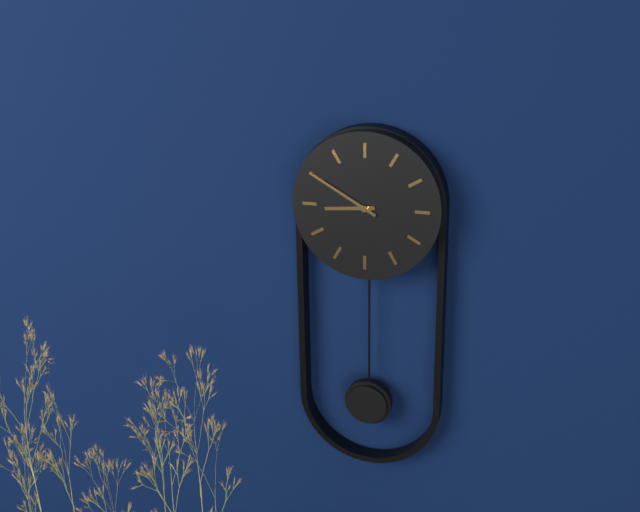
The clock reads h=8 m=50
